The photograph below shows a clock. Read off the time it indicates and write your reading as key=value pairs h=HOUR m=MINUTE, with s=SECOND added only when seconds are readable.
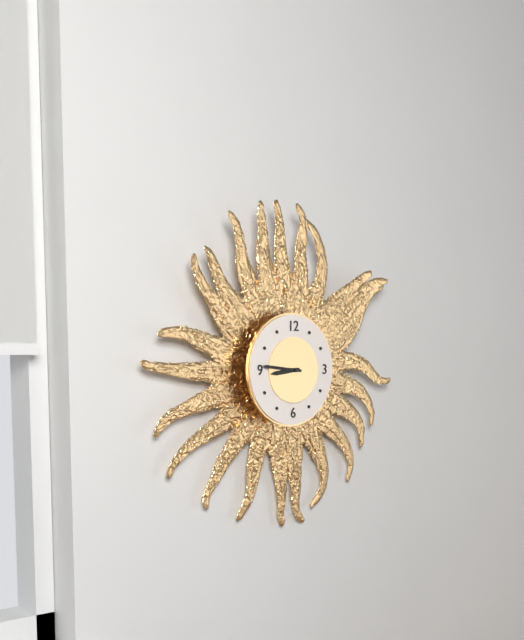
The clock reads h=8 m=46
